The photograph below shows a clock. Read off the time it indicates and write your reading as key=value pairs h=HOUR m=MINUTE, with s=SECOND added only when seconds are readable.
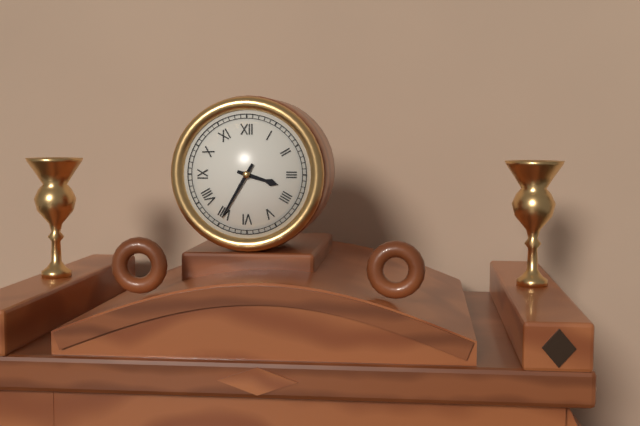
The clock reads h=3 m=35
